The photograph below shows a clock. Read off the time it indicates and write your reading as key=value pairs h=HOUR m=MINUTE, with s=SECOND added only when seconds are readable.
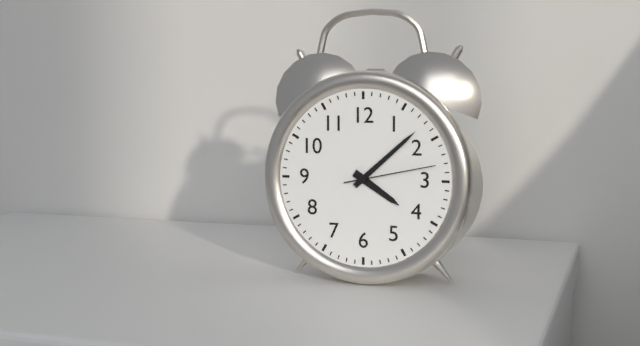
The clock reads h=4 m=8 s=13
